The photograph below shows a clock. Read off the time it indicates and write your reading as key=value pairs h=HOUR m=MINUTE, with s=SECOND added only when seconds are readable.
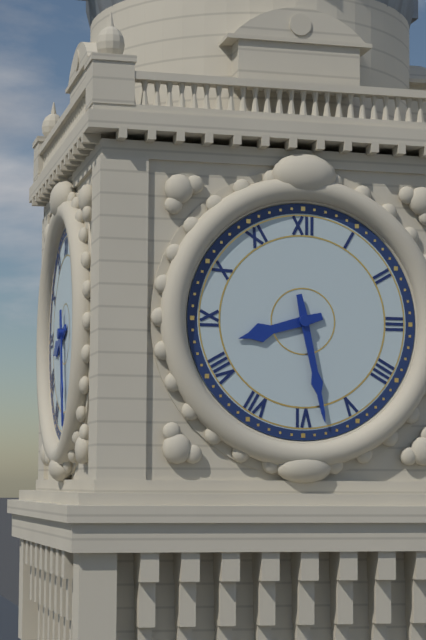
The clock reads h=8 m=28
